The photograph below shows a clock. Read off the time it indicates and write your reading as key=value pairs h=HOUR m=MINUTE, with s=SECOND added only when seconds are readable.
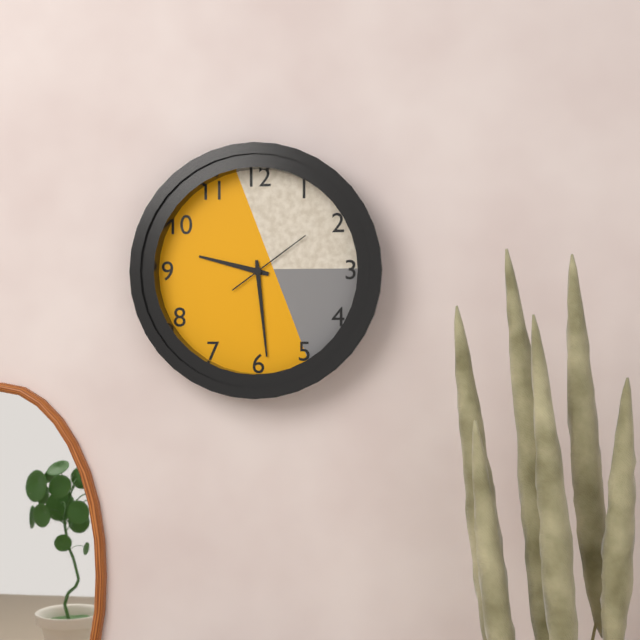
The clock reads h=9 m=29 s=9
